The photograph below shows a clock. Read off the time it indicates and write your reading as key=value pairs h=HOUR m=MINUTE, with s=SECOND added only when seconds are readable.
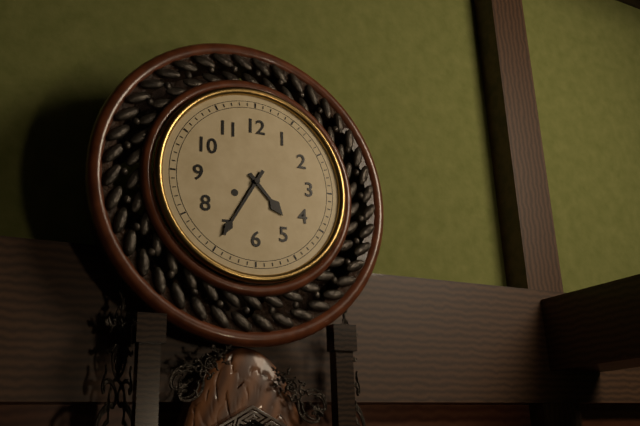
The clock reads h=4 m=35
